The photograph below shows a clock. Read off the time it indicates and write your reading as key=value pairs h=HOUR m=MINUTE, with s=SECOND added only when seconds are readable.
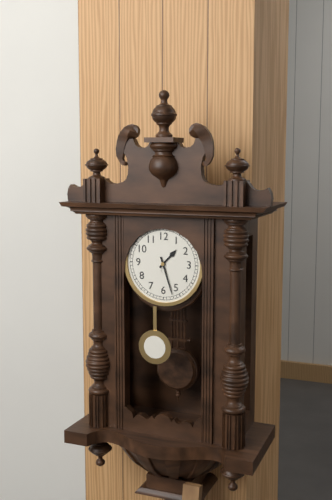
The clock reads h=1 m=27
